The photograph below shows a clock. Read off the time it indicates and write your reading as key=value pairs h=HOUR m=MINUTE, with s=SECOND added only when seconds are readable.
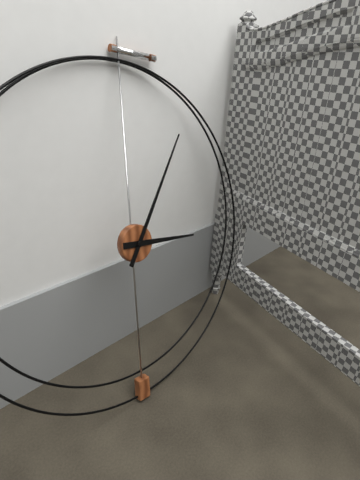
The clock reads h=3 m=5
